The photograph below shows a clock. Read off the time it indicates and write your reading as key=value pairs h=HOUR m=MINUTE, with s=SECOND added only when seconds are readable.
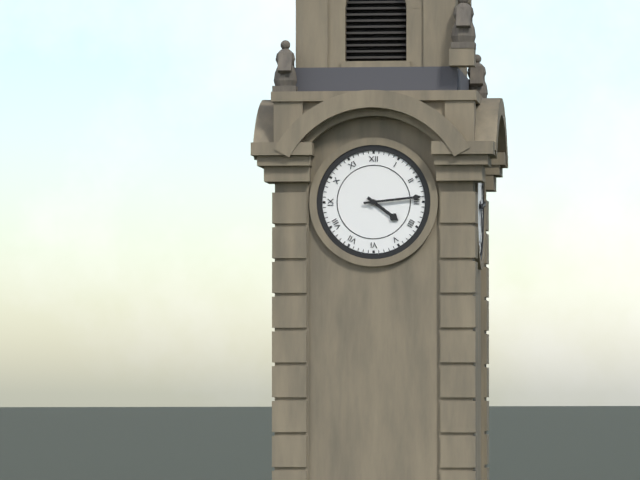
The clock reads h=4 m=14
